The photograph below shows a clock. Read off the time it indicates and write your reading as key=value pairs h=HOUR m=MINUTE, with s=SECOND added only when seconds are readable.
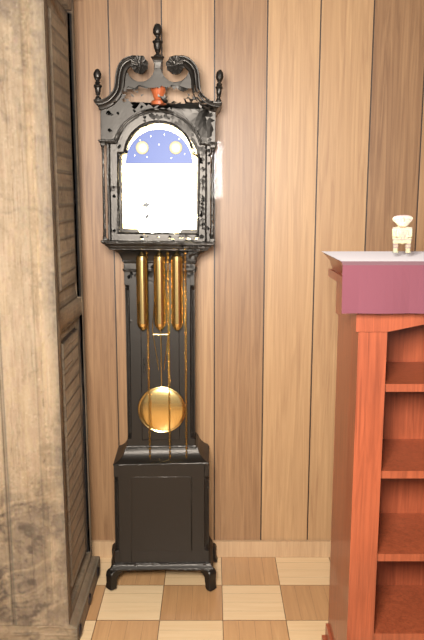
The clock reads h=8 m=37
